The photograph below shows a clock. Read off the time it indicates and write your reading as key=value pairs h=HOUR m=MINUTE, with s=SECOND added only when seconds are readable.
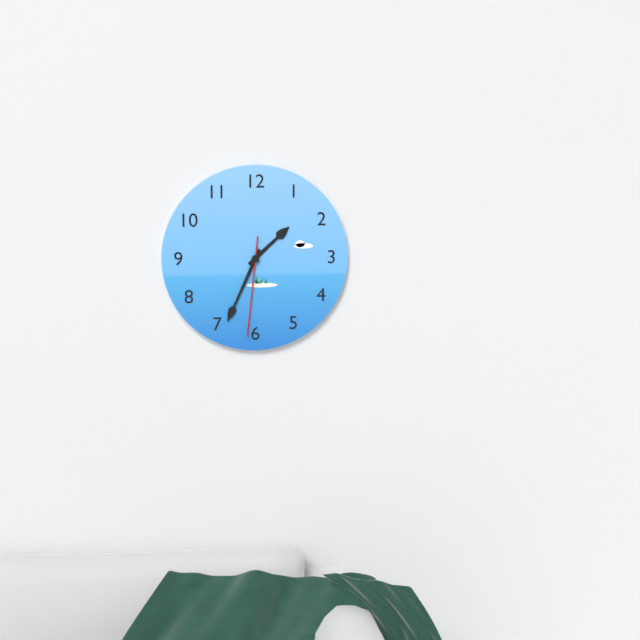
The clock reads h=1 m=34 s=31
